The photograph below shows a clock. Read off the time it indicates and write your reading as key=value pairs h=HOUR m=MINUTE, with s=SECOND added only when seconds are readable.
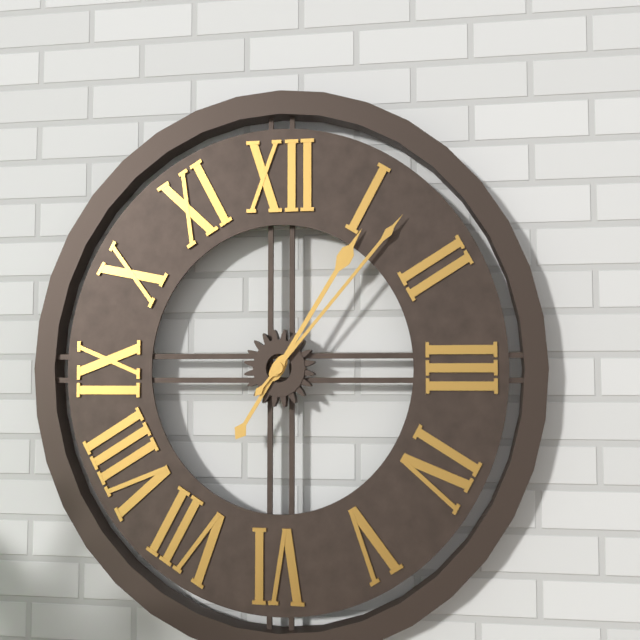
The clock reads h=1 m=7
